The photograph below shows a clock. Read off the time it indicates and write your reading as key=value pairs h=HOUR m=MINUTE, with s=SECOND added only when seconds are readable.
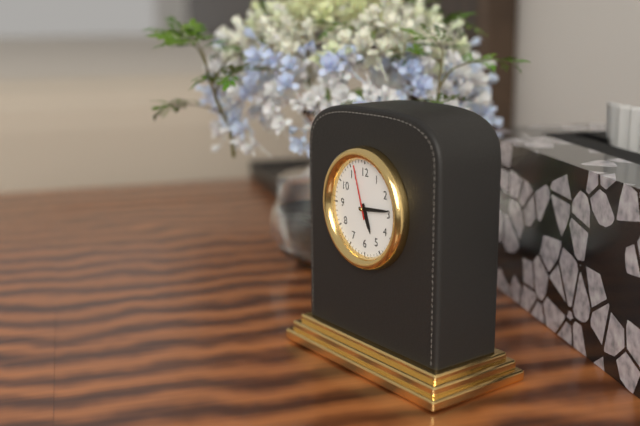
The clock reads h=5 m=14 s=57
